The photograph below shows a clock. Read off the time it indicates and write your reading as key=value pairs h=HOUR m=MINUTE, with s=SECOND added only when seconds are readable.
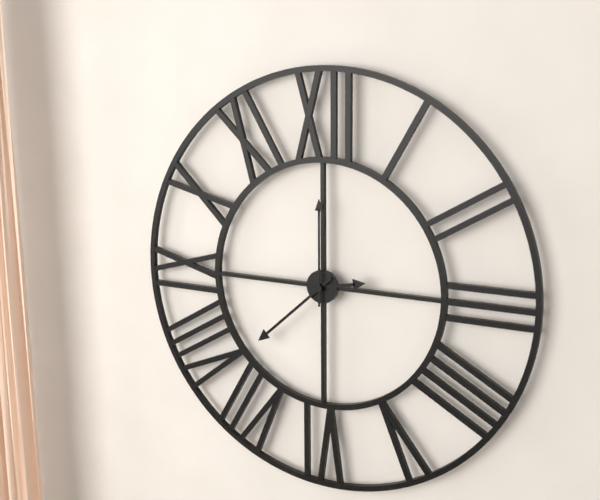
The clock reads h=2 m=38 s=0
